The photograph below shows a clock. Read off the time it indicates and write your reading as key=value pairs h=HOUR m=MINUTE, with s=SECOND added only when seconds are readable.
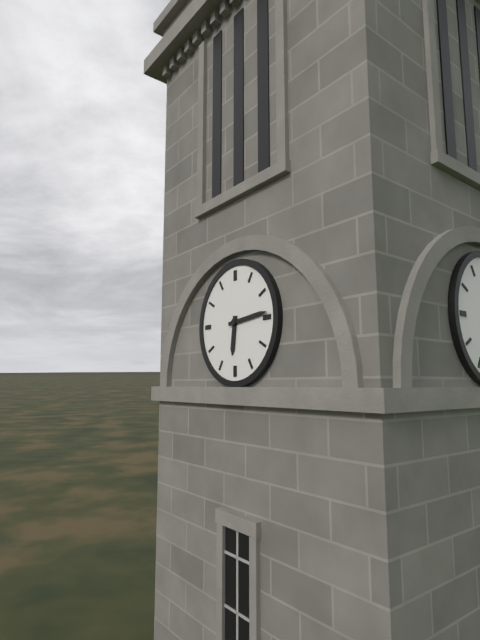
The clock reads h=6 m=14
